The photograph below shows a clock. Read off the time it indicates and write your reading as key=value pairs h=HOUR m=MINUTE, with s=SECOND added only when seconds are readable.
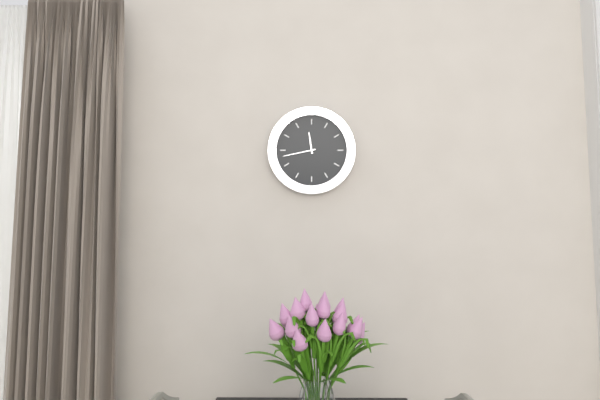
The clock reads h=11 m=43
